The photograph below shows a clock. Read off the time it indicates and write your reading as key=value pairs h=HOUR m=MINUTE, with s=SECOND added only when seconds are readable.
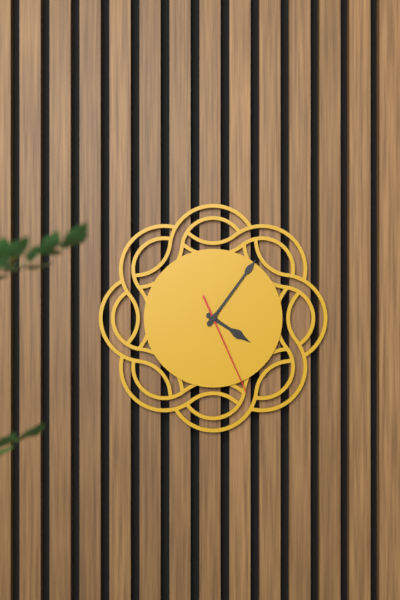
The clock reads h=4 m=6 s=26
